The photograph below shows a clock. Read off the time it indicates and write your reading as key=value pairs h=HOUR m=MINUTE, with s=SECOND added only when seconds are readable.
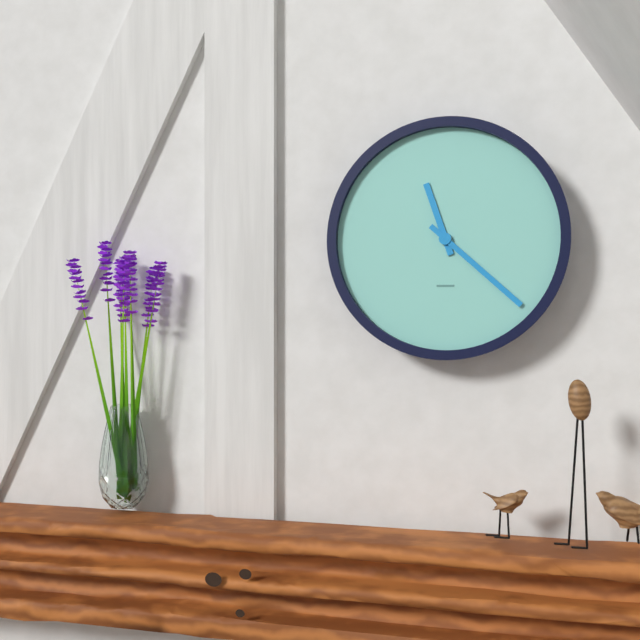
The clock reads h=11 m=22
